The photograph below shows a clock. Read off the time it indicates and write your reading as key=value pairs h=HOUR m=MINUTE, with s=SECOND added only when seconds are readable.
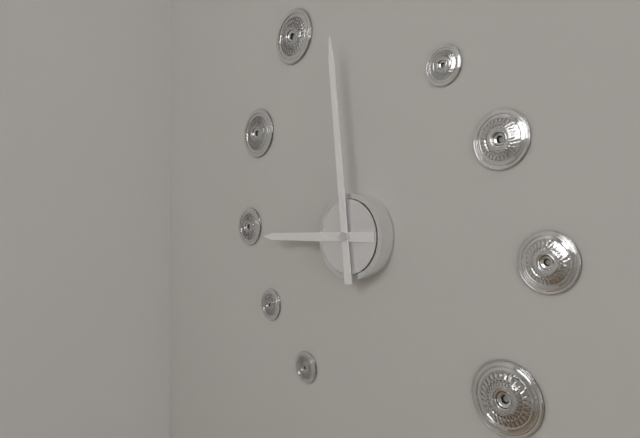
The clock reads h=8 m=59
